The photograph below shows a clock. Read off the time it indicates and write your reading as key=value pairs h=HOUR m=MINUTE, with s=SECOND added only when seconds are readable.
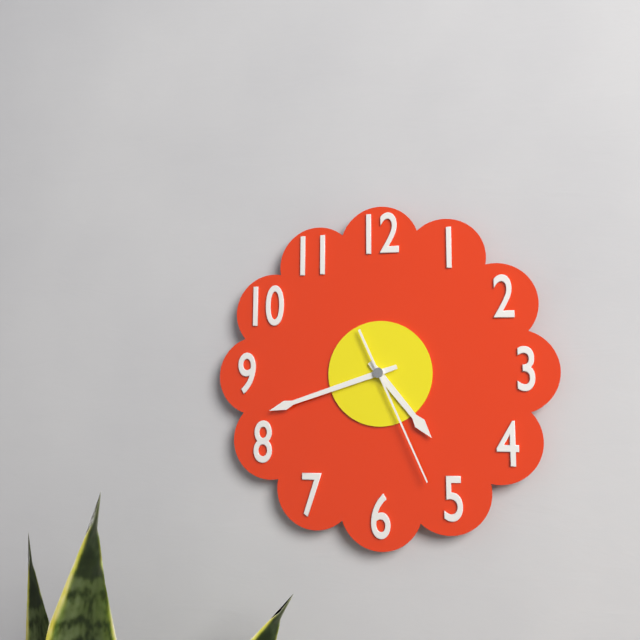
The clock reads h=4 m=42 s=26
